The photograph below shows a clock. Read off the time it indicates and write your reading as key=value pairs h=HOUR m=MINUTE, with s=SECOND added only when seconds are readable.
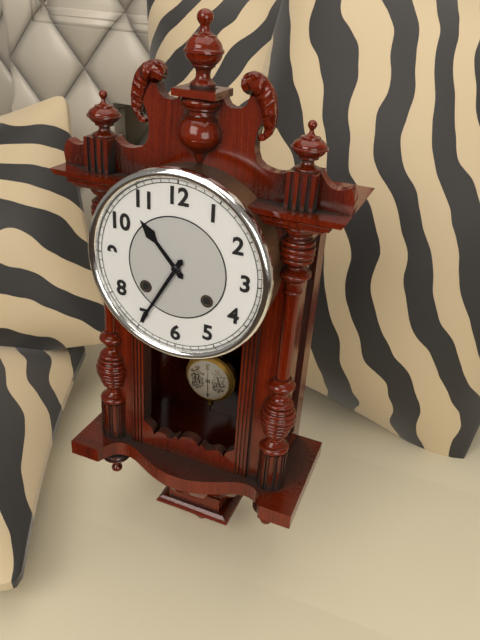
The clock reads h=10 m=35
